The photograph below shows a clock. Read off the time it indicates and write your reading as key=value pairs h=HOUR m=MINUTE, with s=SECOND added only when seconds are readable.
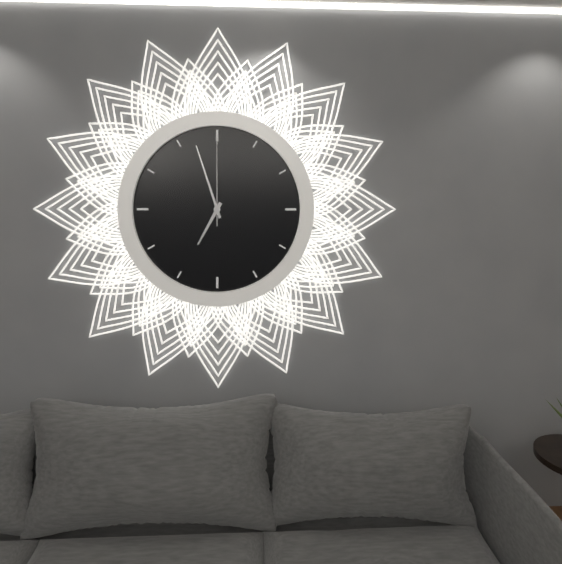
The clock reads h=6 m=57 s=0
